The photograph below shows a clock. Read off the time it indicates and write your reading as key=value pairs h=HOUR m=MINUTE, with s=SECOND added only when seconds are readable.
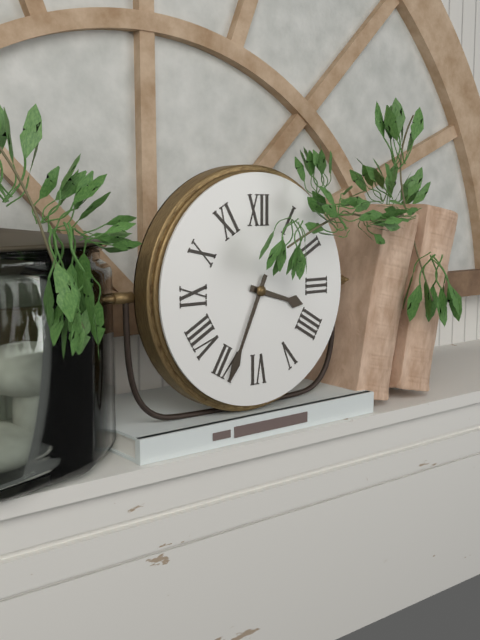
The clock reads h=3 m=34
